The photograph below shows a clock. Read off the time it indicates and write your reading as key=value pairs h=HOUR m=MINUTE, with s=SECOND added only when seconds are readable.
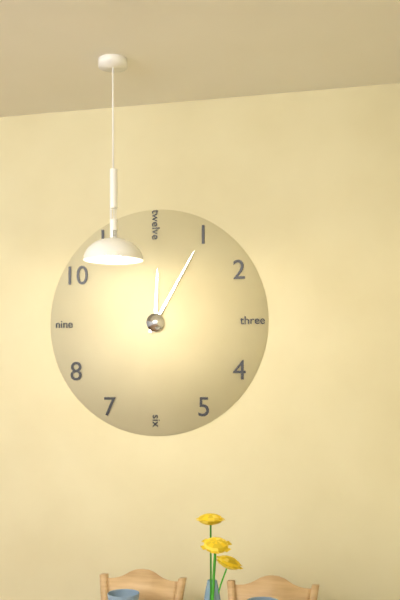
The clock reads h=12 m=5
